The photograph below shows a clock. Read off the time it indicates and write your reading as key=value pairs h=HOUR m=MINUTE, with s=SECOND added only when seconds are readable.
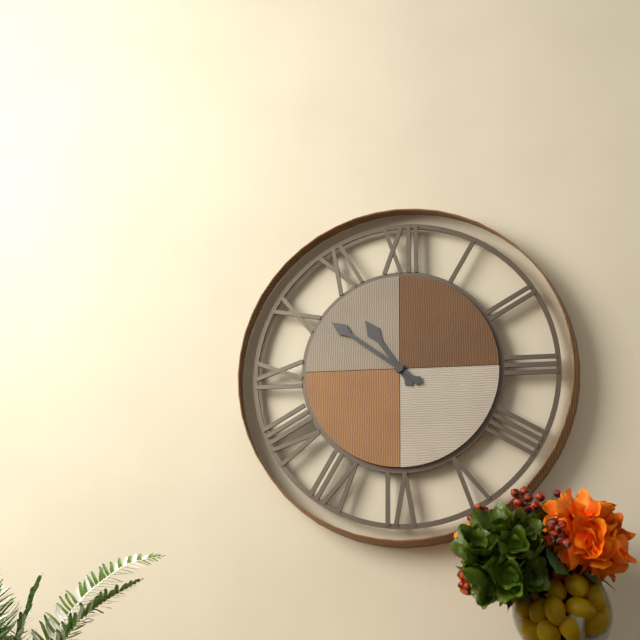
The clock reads h=10 m=51
